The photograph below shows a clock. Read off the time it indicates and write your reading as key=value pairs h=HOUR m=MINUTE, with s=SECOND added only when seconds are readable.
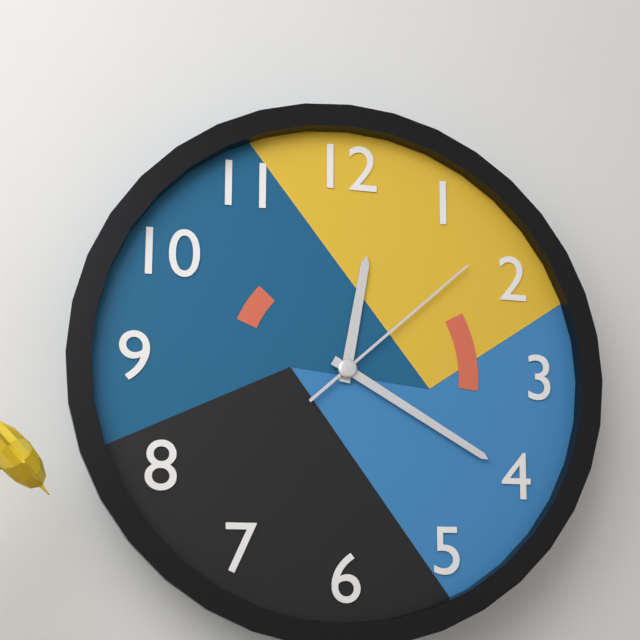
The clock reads h=12 m=20 s=8
